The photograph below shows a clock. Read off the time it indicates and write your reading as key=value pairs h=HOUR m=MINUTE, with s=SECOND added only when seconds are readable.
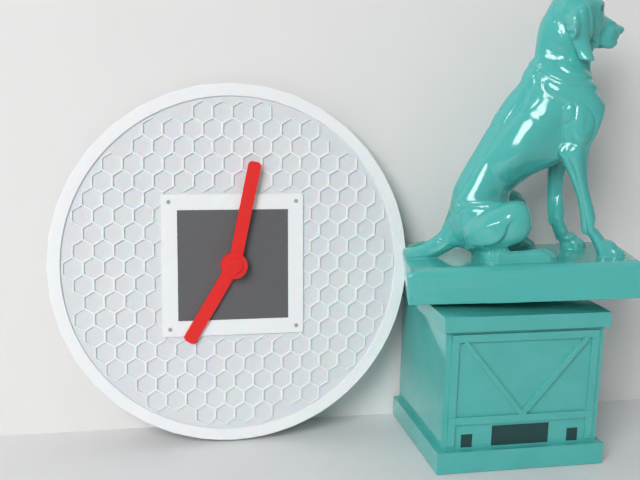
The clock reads h=7 m=2
